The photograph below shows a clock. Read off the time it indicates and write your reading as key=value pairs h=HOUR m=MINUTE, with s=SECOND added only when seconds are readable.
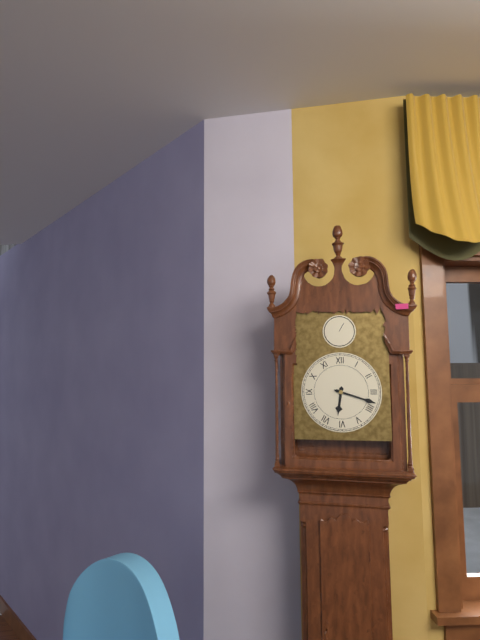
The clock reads h=6 m=18
